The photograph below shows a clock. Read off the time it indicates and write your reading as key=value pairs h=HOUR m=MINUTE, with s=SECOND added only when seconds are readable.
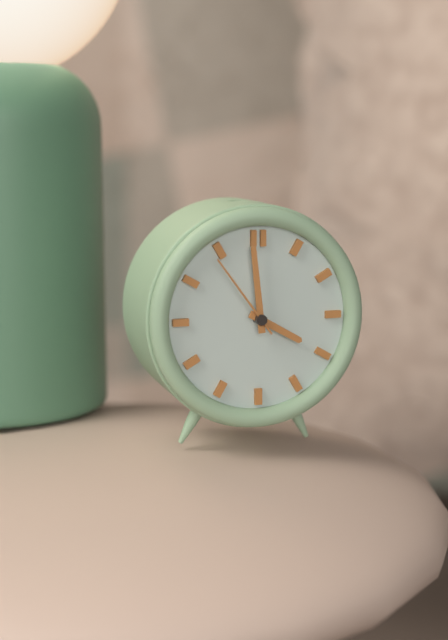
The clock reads h=3 m=59 s=54
